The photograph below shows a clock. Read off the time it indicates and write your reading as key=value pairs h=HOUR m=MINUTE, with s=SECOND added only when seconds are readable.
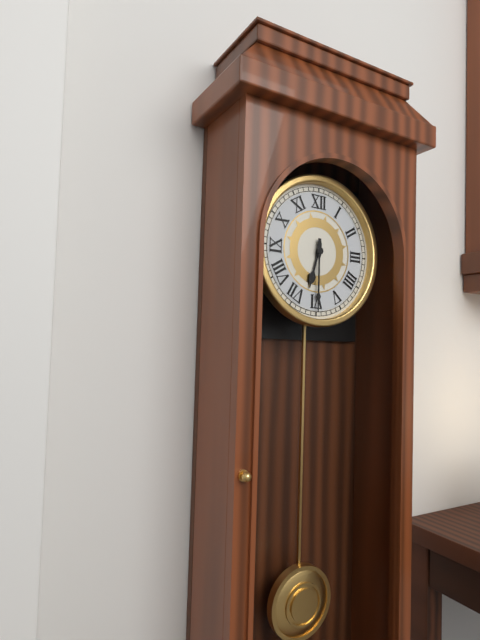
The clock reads h=6 m=30
